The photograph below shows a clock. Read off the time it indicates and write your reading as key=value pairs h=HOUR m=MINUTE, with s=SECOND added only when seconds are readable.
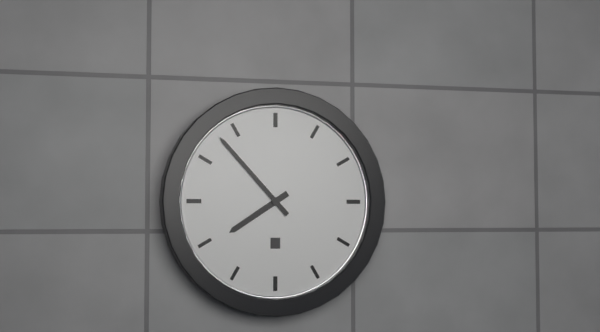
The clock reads h=7 m=53
